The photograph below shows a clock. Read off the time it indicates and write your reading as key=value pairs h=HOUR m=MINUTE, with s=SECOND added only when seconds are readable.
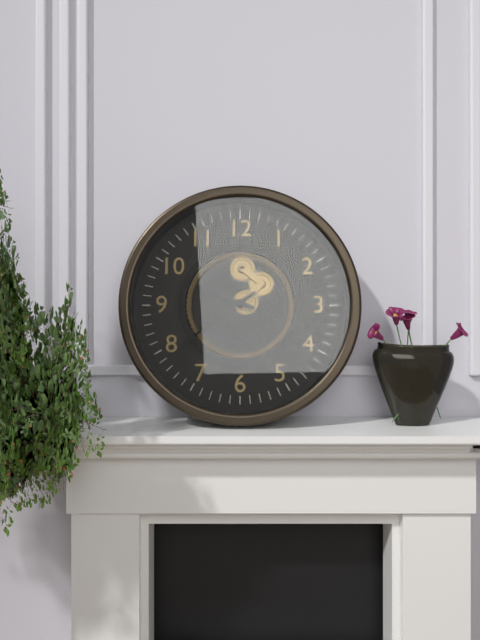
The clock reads h=9 m=39
